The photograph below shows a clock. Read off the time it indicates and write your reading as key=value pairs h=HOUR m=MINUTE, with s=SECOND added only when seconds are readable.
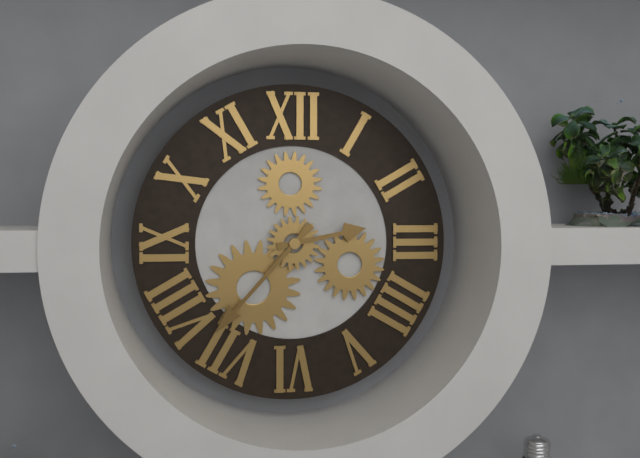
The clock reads h=2 m=37
